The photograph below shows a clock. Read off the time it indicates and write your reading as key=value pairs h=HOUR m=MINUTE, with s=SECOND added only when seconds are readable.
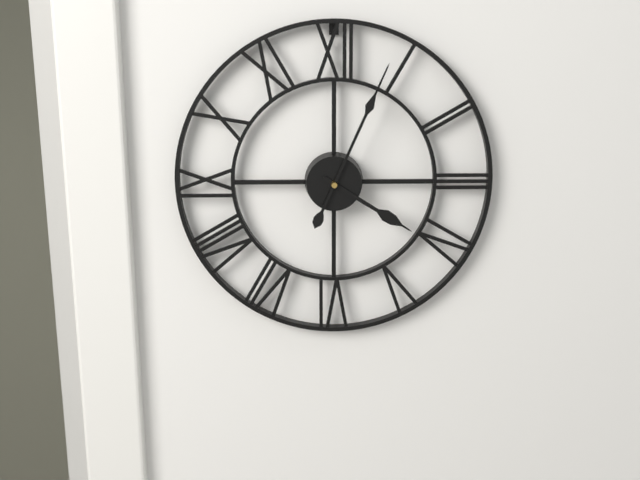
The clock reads h=4 m=4
